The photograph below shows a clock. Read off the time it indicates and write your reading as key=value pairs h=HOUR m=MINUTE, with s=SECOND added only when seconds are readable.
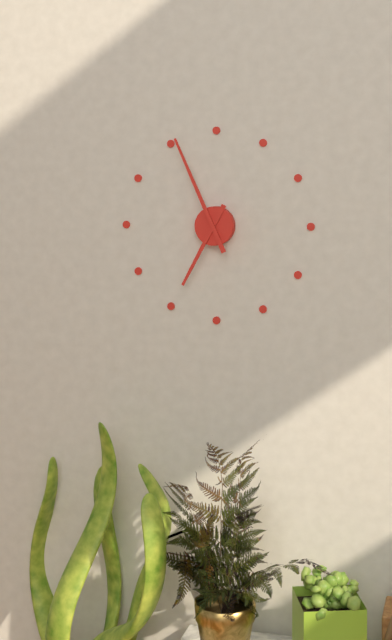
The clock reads h=6 m=56
